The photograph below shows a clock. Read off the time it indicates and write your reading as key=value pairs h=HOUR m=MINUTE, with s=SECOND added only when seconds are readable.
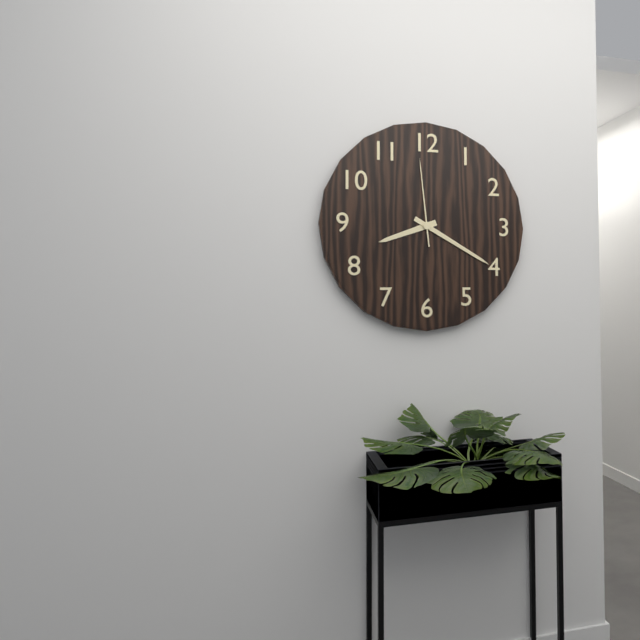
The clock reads h=8 m=20 s=59
